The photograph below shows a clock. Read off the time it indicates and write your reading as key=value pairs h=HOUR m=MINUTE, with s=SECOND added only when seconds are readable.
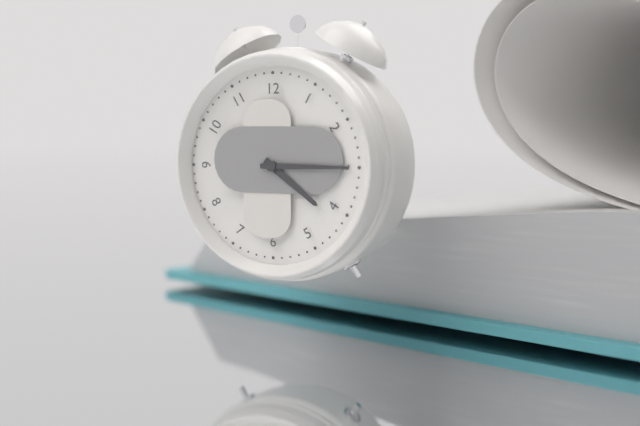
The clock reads h=4 m=15
